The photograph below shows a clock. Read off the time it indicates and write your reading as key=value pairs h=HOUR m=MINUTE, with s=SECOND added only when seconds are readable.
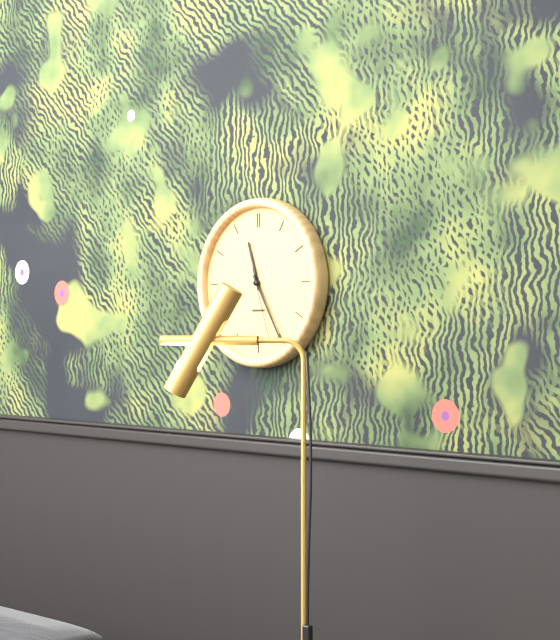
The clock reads h=11 m=25 s=27
